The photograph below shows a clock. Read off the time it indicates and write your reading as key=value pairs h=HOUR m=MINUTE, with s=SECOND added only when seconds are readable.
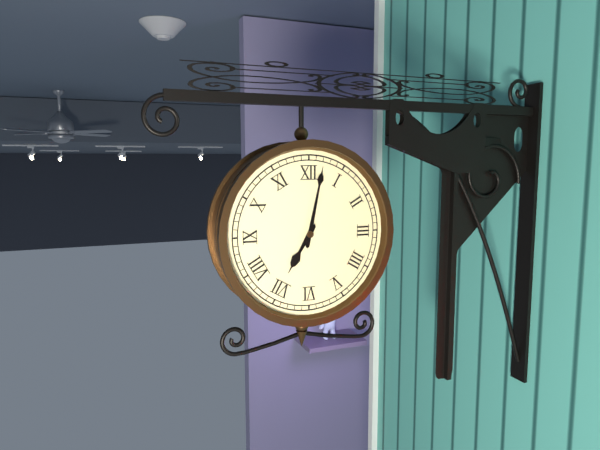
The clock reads h=7 m=2
